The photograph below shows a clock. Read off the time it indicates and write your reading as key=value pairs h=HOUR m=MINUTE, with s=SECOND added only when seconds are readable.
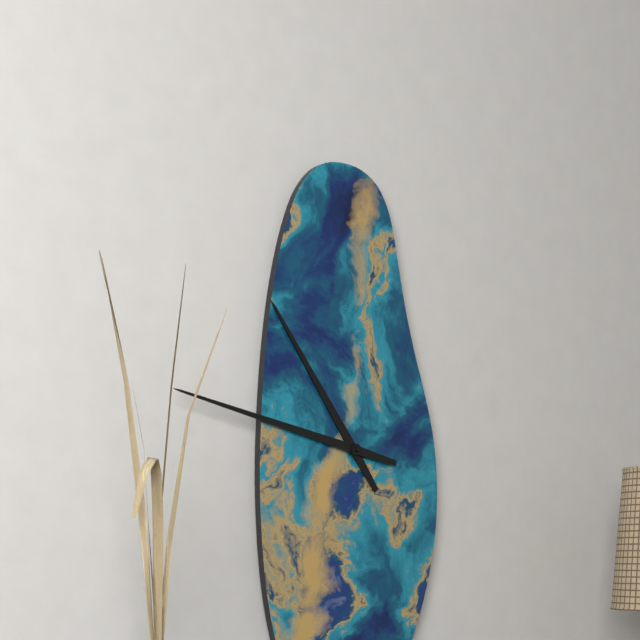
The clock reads h=10 m=47
